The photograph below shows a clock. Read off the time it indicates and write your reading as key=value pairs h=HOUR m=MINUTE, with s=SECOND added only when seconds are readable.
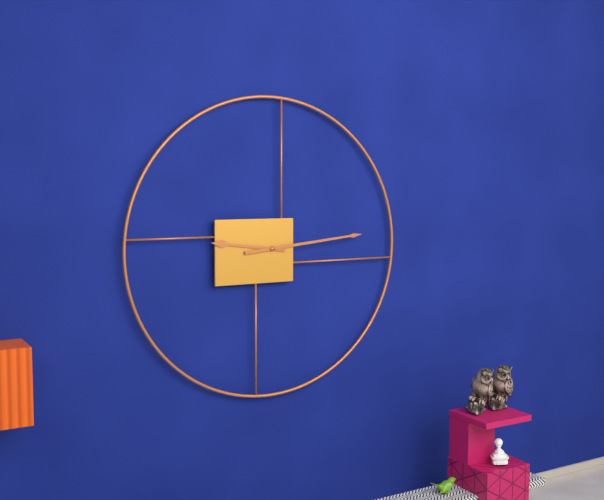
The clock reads h=9 m=14
